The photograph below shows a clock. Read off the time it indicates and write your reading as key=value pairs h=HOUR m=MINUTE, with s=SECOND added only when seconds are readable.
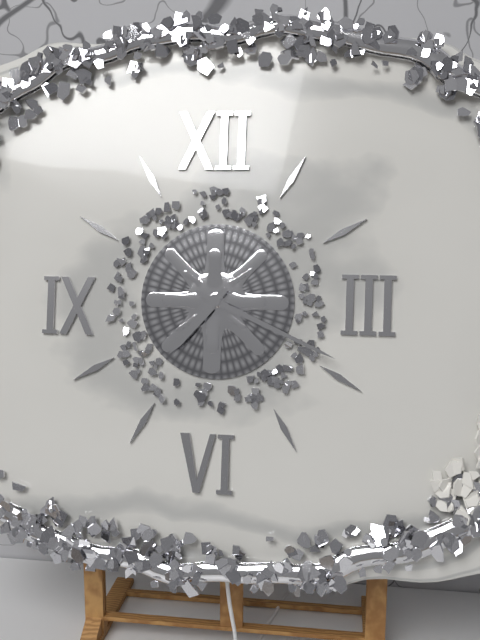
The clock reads h=7 m=19
